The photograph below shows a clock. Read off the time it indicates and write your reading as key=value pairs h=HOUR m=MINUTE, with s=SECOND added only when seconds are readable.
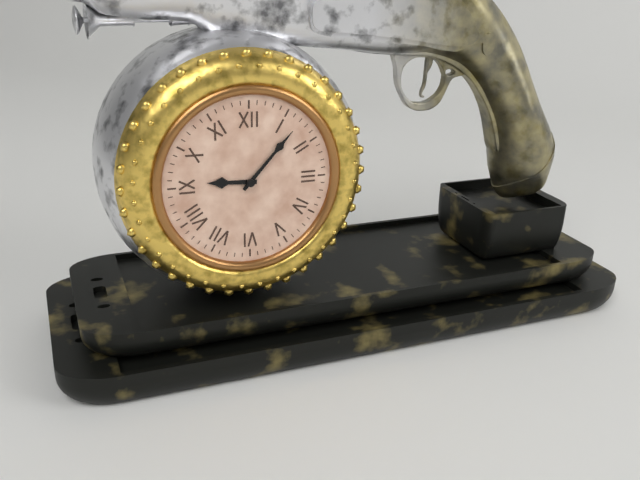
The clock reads h=9 m=7
